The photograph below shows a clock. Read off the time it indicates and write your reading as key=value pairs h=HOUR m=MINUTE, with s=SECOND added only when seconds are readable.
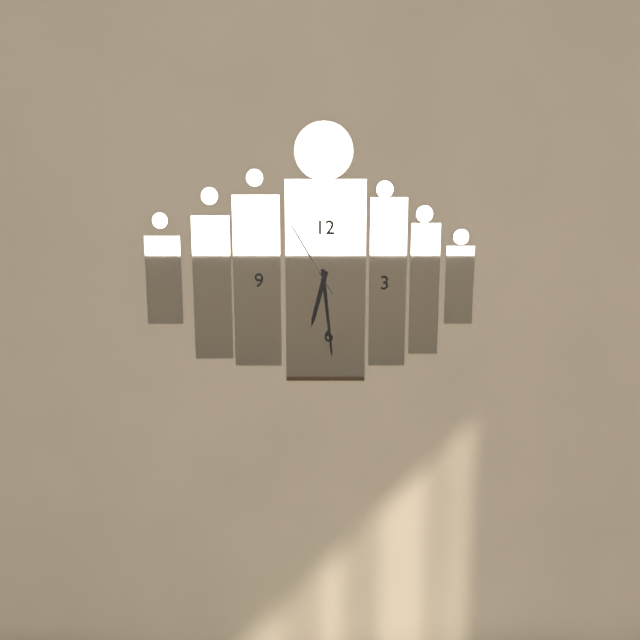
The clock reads h=6 m=29 s=55
